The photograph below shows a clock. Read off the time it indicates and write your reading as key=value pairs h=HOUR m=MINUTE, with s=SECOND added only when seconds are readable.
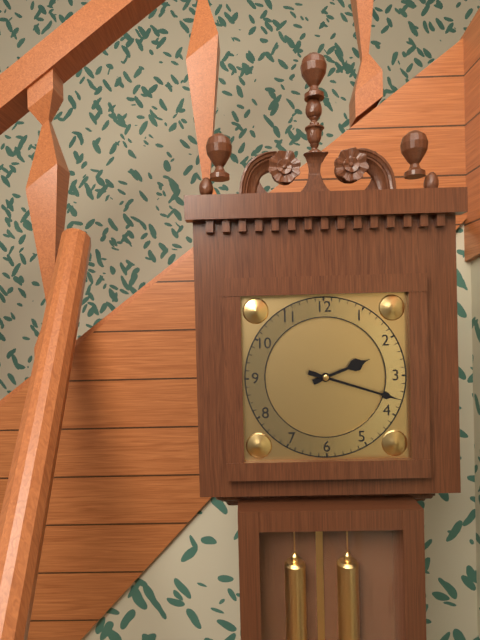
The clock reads h=2 m=18
